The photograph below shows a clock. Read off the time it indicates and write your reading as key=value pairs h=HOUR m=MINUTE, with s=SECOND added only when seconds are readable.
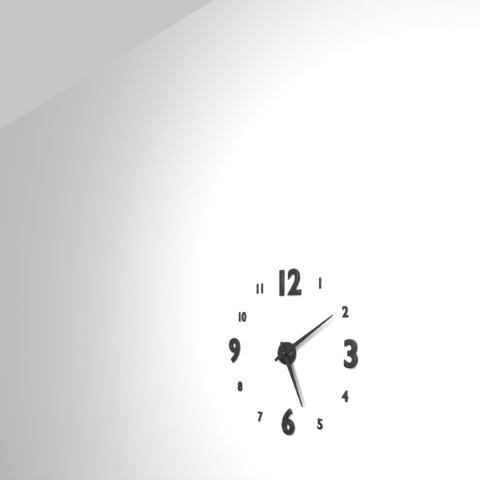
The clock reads h=5 m=10
